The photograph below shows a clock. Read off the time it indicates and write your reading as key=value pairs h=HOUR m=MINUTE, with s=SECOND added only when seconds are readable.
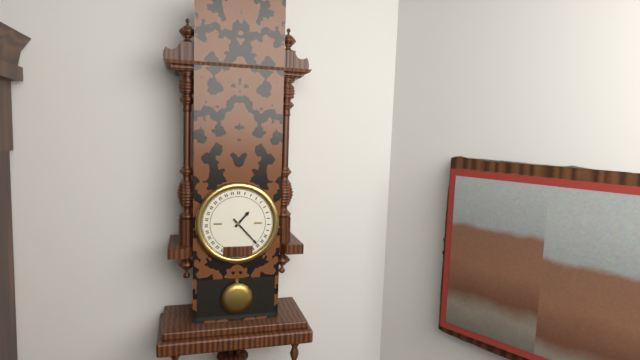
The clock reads h=1 m=23
